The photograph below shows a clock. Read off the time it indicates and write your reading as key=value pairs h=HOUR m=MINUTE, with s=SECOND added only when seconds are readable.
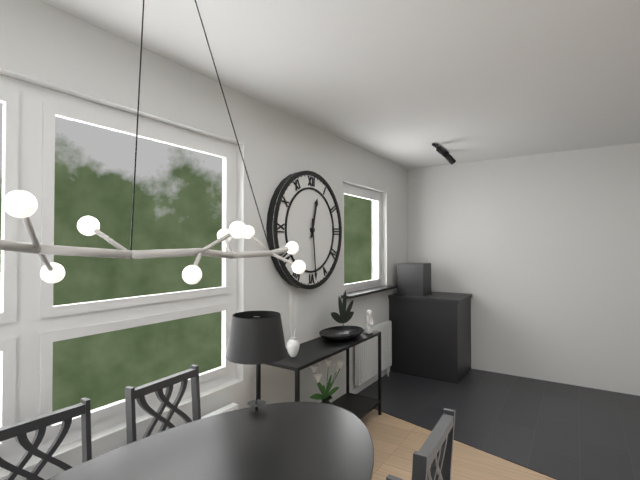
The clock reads h=12 m=29
